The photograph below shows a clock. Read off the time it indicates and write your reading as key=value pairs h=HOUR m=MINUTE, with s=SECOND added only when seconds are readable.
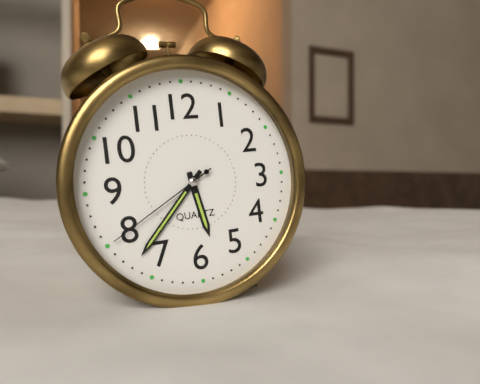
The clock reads h=5 m=37 s=40
